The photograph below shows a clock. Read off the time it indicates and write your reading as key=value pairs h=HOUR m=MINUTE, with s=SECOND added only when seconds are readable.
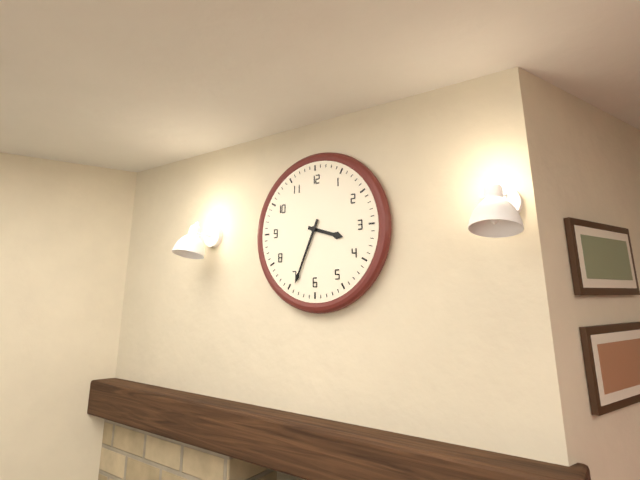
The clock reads h=3 m=34
